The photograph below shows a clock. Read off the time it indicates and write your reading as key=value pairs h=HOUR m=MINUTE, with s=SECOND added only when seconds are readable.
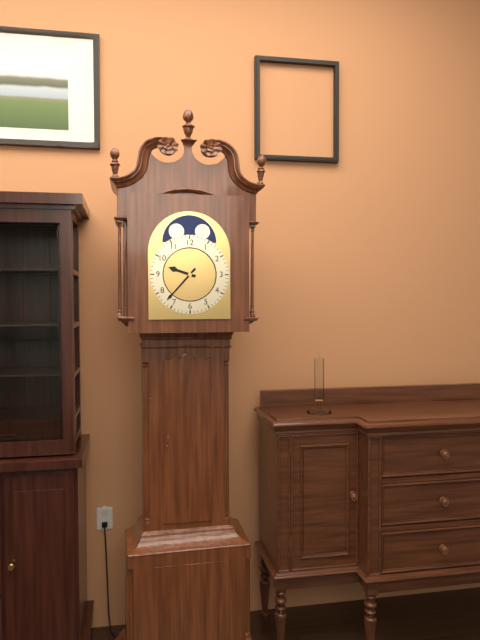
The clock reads h=9 m=37
